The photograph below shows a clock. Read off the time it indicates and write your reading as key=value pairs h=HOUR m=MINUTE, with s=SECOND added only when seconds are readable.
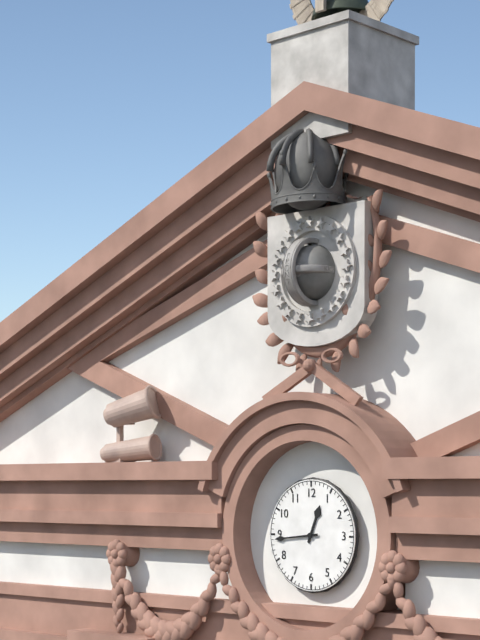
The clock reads h=12 m=44
